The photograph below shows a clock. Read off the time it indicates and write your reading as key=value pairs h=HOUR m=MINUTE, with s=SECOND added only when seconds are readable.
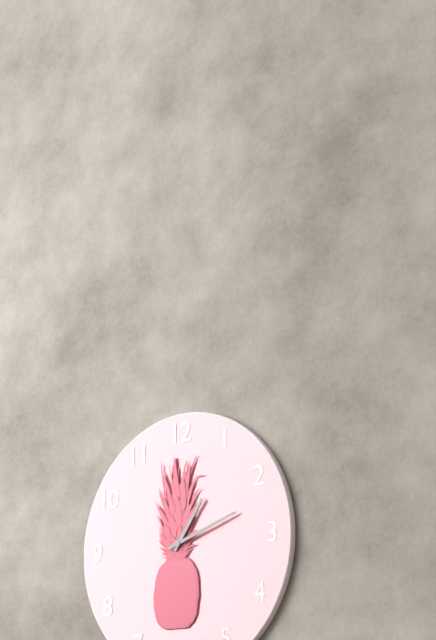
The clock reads h=1 m=12
